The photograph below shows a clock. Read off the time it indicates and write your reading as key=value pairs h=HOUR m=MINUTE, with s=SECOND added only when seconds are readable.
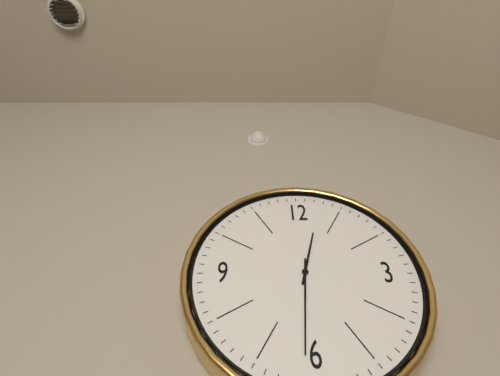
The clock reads h=12 m=31
